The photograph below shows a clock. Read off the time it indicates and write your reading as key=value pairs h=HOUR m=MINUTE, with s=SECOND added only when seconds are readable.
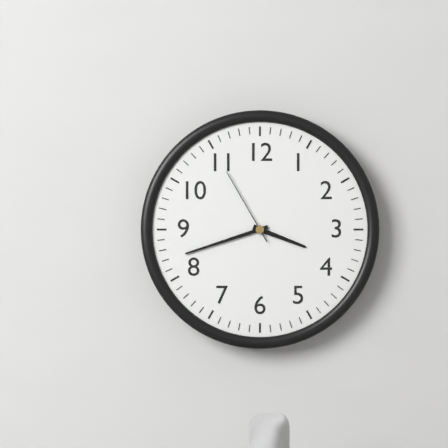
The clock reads h=3 m=42 s=55
